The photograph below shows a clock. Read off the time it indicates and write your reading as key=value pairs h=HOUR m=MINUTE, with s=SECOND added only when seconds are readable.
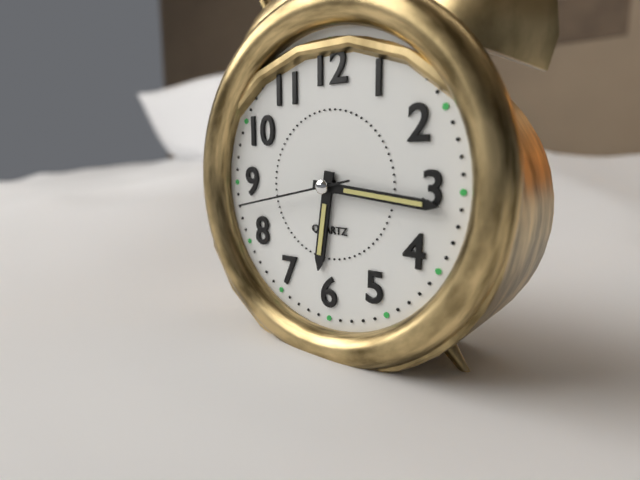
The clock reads h=6 m=16 s=43
